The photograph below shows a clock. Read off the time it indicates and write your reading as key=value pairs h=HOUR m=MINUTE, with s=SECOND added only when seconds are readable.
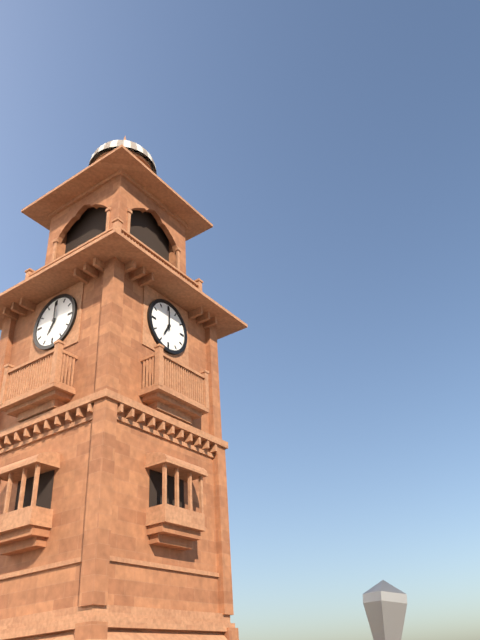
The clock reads h=7 m=0
